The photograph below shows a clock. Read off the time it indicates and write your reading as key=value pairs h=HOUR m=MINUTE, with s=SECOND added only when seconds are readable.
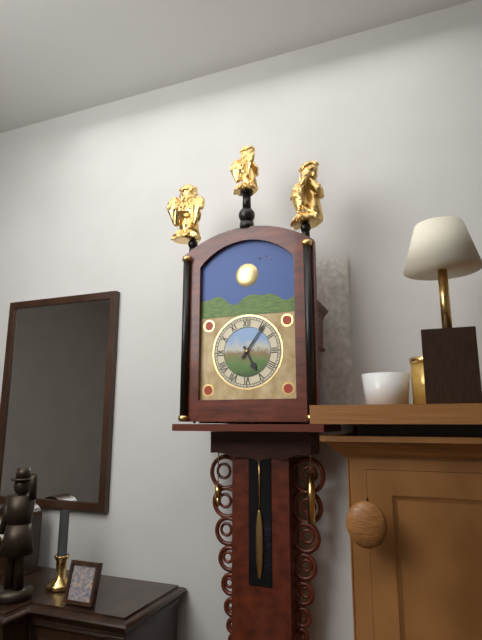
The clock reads h=5 m=6
